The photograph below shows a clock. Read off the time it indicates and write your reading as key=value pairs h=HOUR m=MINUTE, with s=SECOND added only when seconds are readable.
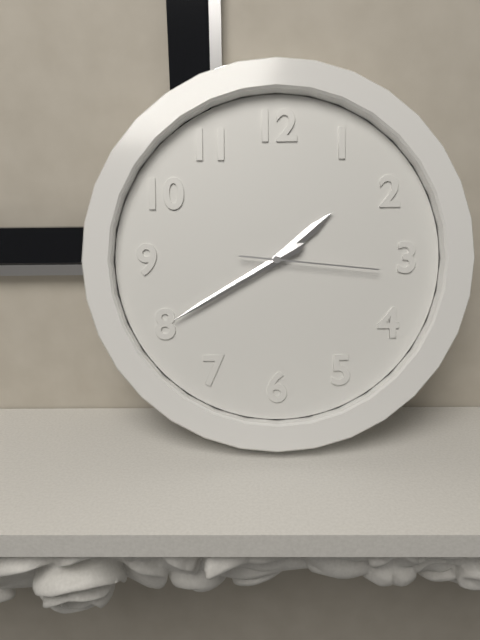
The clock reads h=1 m=40 s=16
